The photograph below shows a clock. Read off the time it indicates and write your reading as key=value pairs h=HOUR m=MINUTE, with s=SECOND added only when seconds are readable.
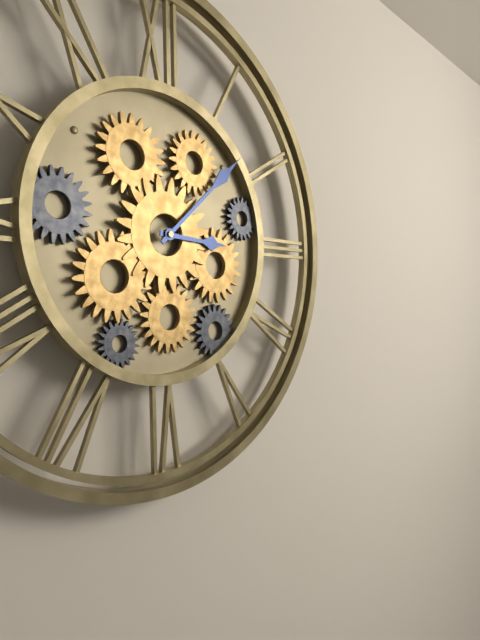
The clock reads h=3 m=8
